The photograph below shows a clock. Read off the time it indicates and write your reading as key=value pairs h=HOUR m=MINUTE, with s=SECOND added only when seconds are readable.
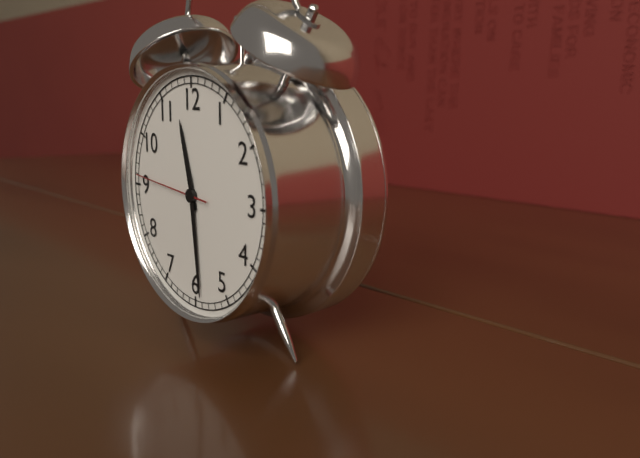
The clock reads h=11 m=29 s=46
